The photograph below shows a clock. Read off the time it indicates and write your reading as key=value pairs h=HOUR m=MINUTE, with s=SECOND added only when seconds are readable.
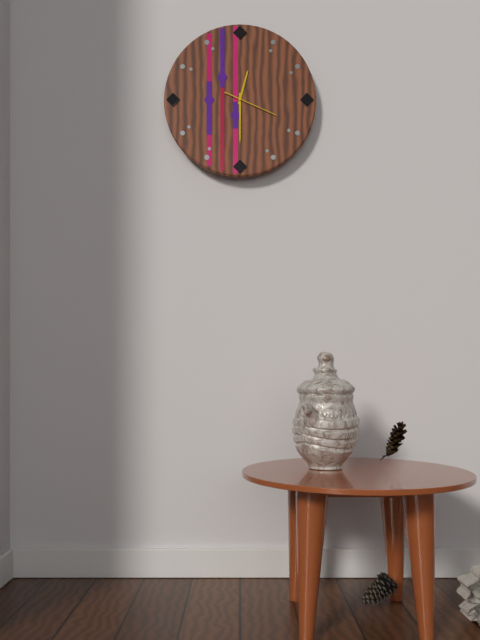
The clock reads h=12 m=30
